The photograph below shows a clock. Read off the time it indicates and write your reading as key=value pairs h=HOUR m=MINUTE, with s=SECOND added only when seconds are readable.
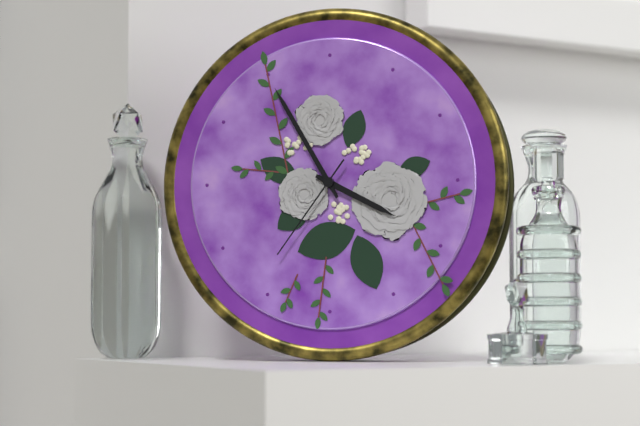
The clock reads h=3 m=55 s=36
